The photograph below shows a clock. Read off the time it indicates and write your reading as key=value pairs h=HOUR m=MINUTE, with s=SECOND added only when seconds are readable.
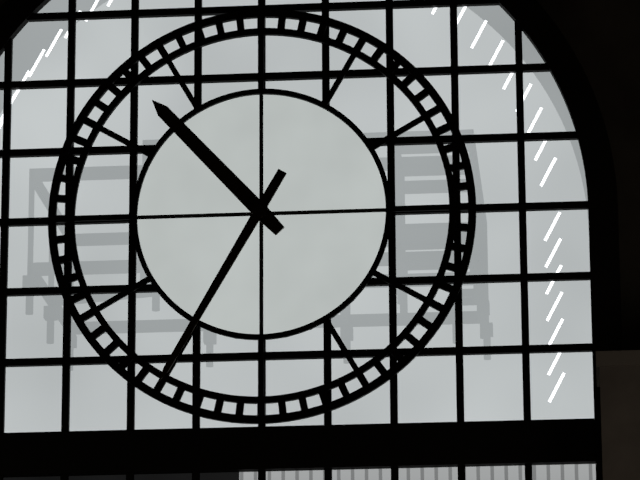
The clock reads h=10 m=35
